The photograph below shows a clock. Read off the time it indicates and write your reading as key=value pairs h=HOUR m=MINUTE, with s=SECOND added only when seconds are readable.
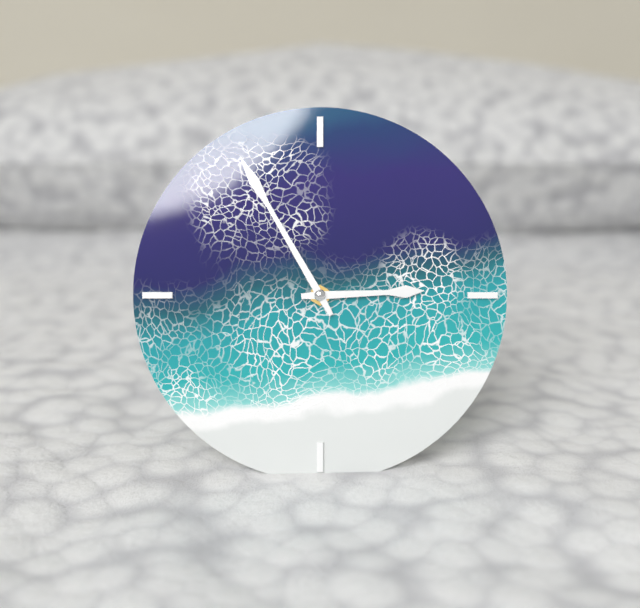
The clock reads h=2 m=55
